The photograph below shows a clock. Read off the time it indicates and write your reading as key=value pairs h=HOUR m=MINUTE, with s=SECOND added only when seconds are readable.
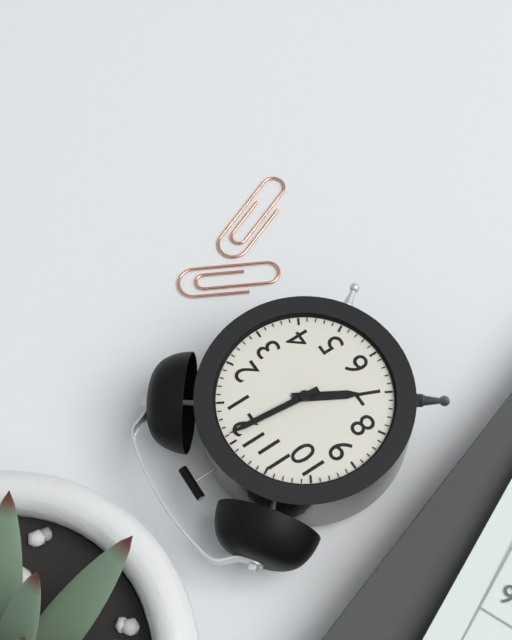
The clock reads h=7 m=1
